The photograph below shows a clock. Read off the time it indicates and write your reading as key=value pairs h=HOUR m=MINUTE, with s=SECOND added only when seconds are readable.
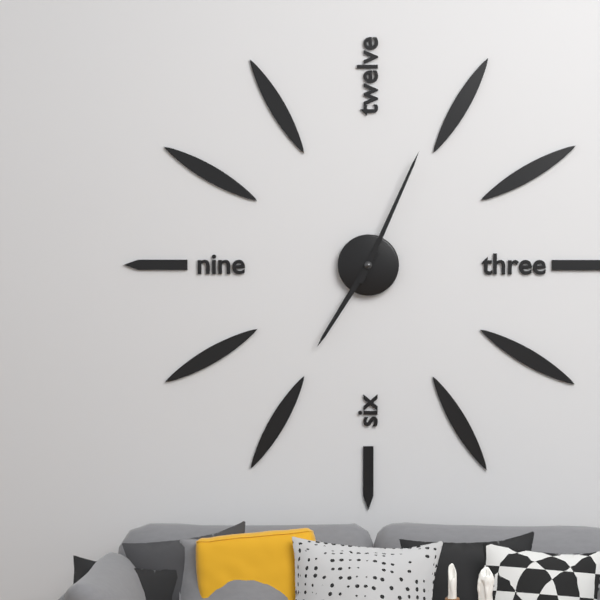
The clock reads h=7 m=4
